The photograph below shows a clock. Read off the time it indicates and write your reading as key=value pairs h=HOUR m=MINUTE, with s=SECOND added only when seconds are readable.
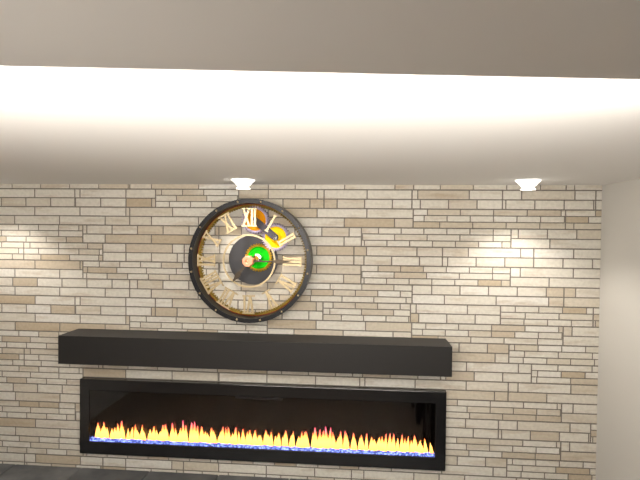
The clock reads h=7 m=15
